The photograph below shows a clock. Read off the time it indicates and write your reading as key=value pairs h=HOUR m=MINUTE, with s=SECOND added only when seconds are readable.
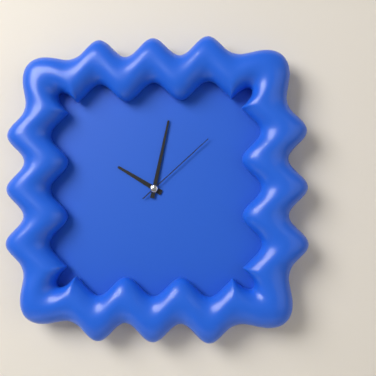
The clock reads h=10 m=2 s=8
